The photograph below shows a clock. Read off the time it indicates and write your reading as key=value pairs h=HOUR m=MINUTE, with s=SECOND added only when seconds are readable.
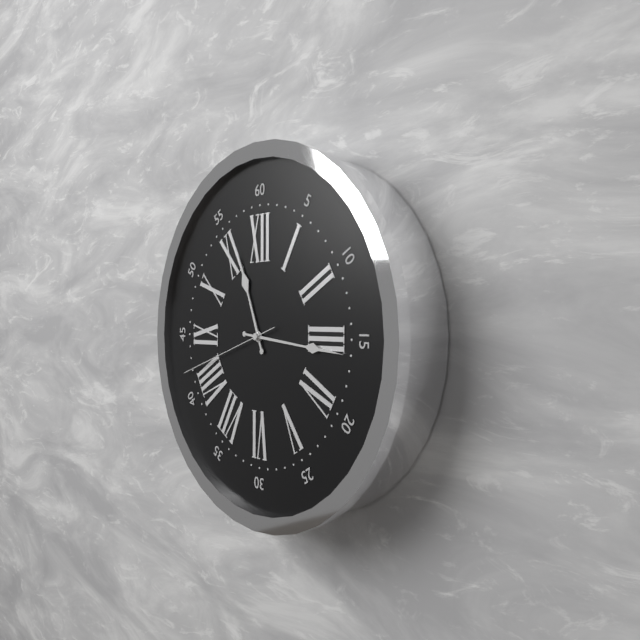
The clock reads h=11 m=16 s=42
